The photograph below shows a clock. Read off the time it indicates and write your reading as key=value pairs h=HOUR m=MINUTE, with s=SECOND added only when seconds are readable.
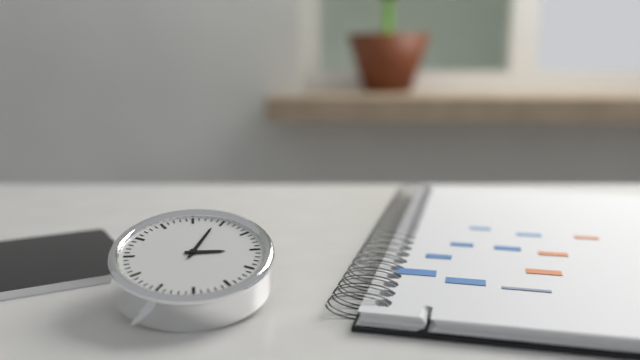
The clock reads h=3 m=4
